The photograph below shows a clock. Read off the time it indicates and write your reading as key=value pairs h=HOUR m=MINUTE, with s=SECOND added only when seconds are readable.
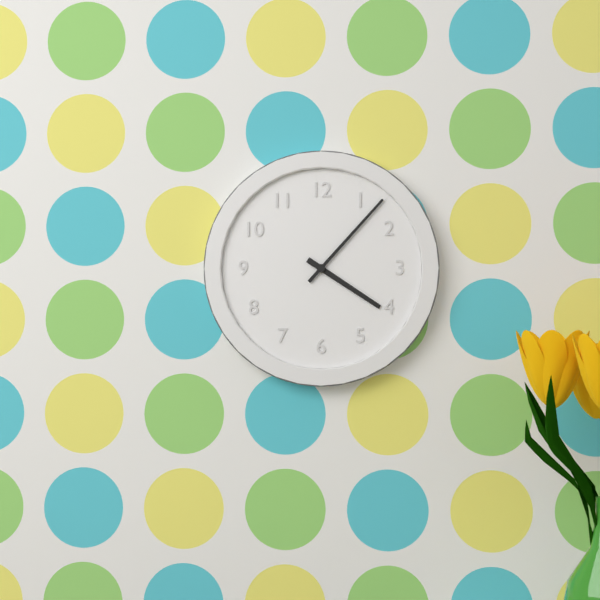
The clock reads h=4 m=7
